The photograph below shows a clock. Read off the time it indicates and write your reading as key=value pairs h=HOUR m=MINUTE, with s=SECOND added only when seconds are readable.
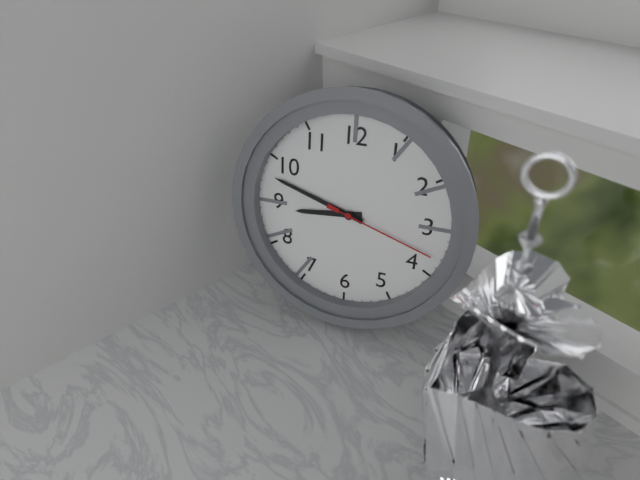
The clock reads h=8 m=48 s=18
